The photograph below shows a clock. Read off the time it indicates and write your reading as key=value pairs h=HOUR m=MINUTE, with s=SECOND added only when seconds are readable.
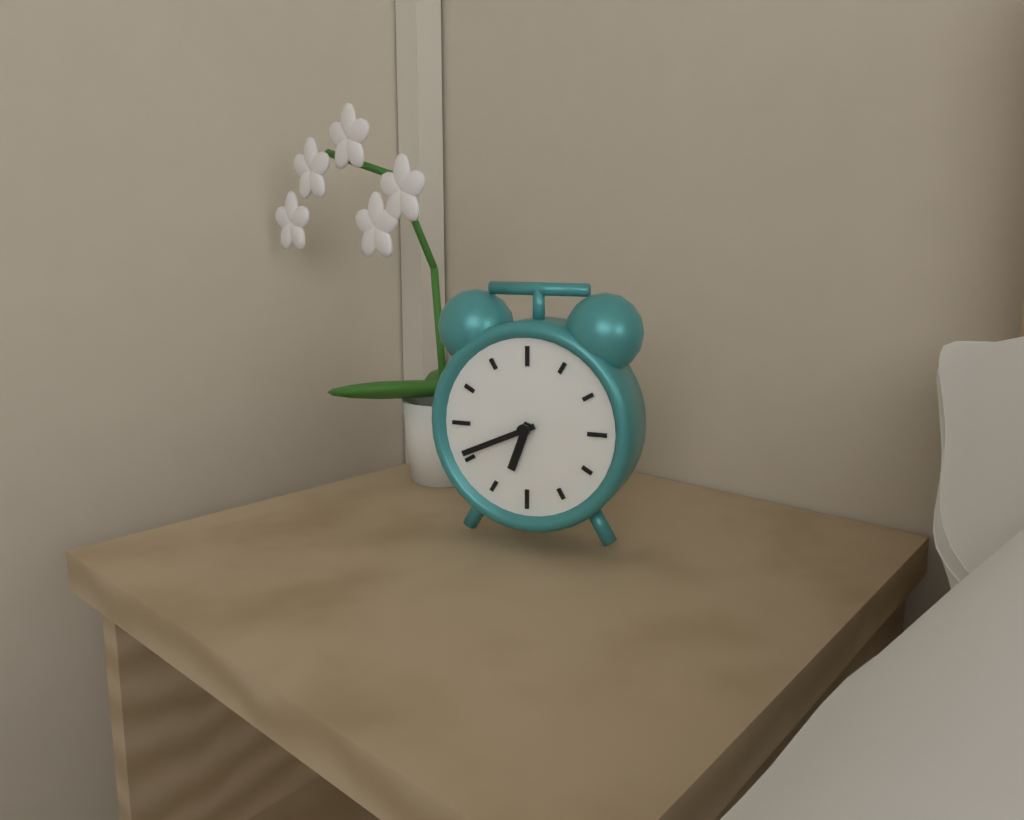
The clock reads h=6 m=41
